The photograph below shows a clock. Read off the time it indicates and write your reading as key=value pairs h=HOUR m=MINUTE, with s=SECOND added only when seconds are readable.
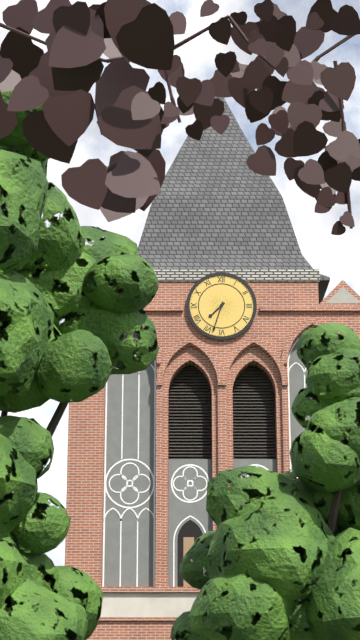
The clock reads h=7 m=33
